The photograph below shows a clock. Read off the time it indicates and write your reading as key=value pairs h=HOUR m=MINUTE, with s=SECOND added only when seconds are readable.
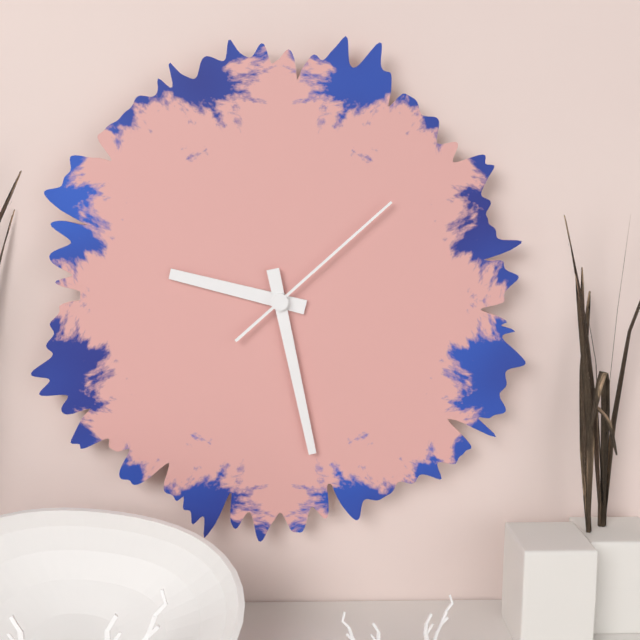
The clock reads h=9 m=28 s=8
